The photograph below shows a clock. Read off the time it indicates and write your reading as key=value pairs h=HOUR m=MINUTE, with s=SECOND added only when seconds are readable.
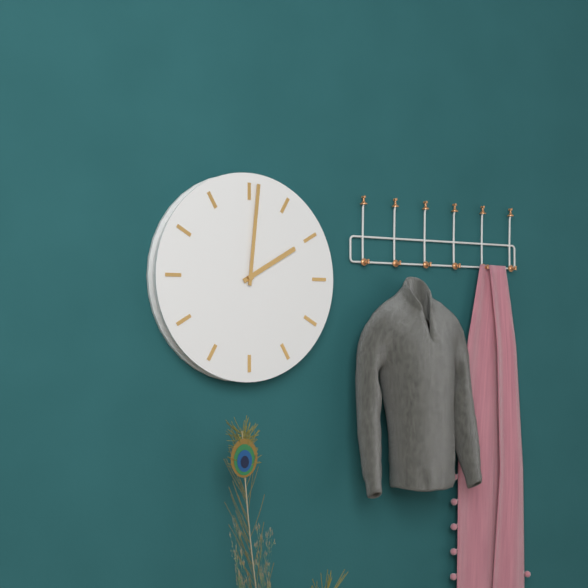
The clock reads h=2 m=1
